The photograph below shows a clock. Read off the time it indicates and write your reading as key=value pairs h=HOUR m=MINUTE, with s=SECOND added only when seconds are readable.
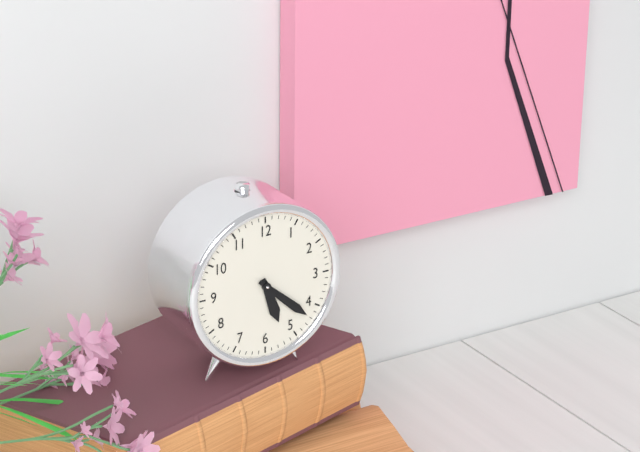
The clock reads h=5 m=22
